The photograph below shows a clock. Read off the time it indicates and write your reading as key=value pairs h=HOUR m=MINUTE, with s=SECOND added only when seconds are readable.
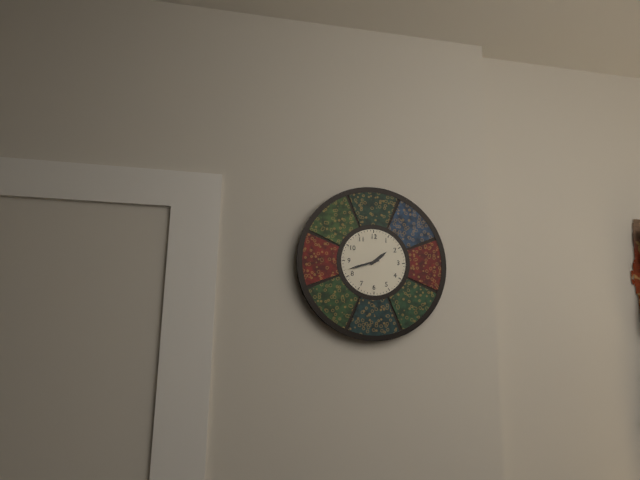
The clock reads h=1 m=42
